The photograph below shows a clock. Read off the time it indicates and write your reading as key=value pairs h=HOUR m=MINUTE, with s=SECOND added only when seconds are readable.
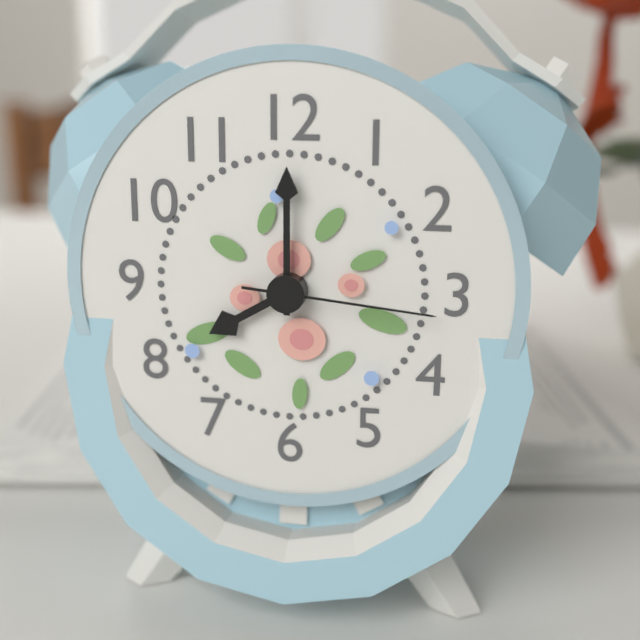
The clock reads h=8 m=0 s=16
